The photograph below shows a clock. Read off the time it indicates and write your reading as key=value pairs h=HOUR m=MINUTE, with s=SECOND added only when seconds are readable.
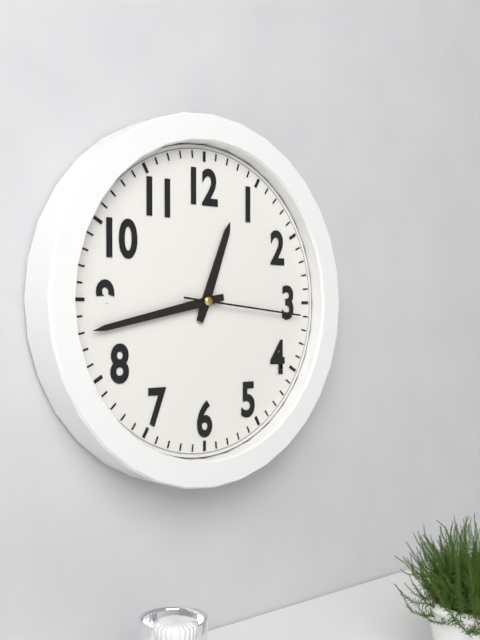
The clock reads h=12 m=43 s=16
